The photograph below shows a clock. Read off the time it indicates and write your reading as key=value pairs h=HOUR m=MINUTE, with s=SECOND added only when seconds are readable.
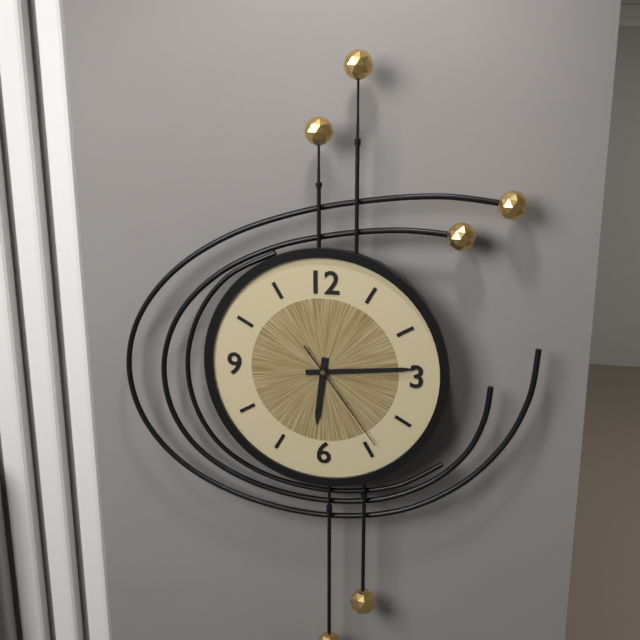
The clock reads h=6 m=14 s=24
